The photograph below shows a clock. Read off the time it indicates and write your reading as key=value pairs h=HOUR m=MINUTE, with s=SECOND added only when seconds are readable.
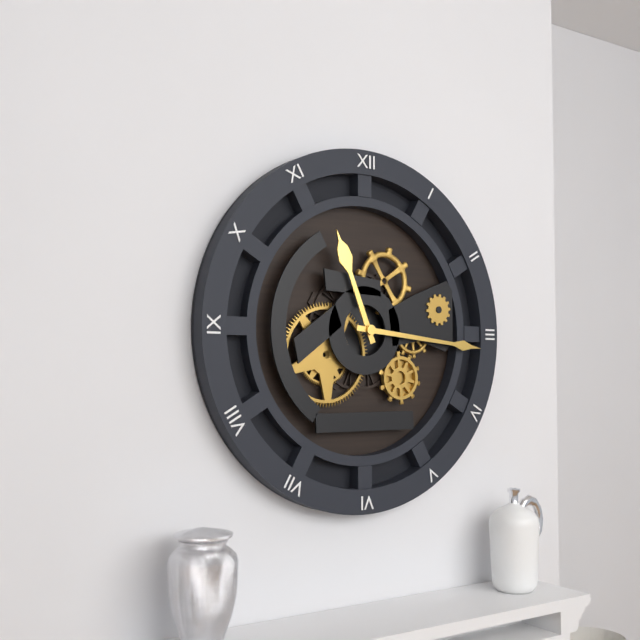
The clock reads h=11 m=16
